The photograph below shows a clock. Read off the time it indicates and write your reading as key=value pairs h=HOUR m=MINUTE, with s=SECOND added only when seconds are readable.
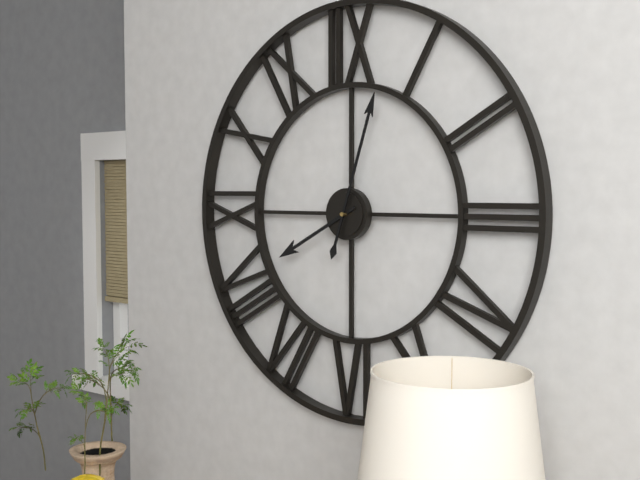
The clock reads h=8 m=3
